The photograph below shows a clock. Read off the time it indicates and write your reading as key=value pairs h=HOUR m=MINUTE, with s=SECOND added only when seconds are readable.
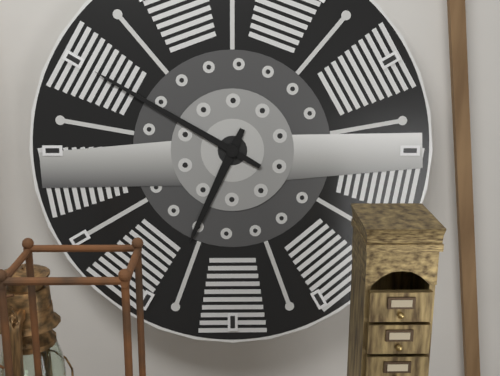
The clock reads h=6 m=50
